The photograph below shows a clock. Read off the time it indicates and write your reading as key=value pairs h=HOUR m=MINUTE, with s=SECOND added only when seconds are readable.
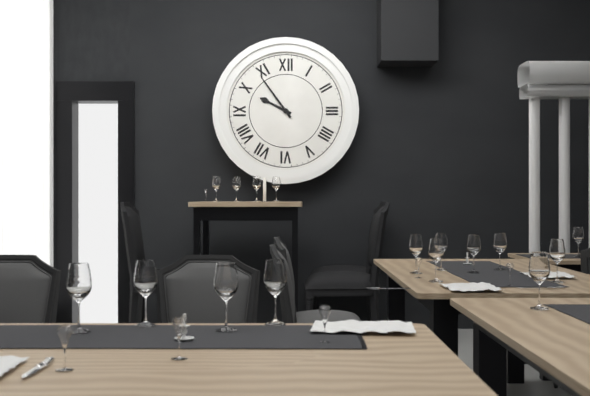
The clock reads h=9 m=54
